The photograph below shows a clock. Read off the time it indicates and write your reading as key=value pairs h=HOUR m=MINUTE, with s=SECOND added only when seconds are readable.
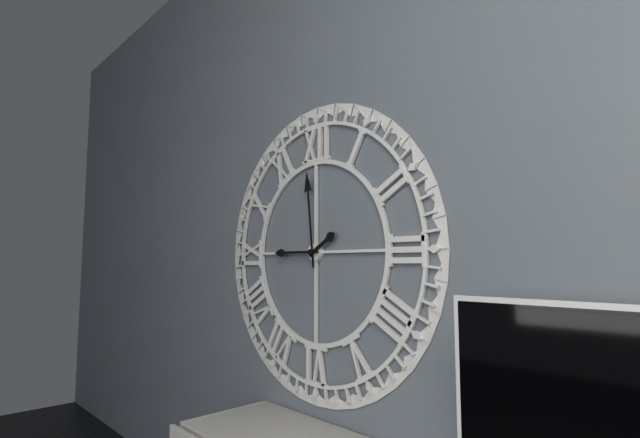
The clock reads h=1 m=59 s=45
